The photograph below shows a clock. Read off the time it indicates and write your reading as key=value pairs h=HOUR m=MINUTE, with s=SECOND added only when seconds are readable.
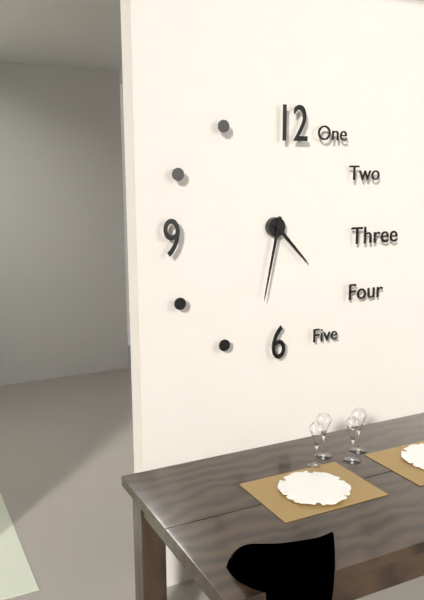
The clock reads h=4 m=32
